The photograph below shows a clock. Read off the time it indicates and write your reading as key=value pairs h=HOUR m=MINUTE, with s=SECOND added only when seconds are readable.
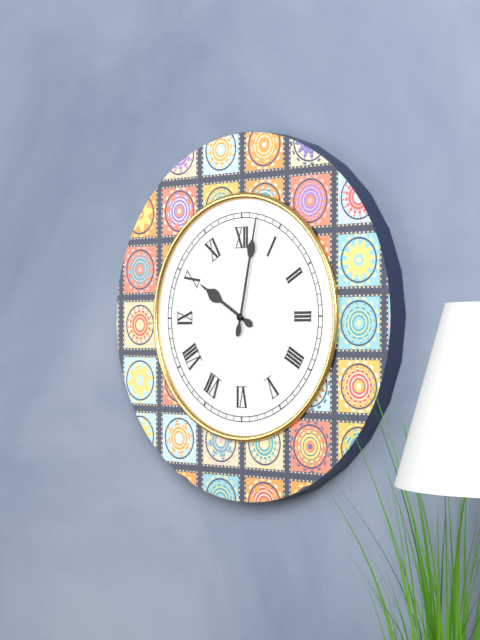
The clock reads h=10 m=2
